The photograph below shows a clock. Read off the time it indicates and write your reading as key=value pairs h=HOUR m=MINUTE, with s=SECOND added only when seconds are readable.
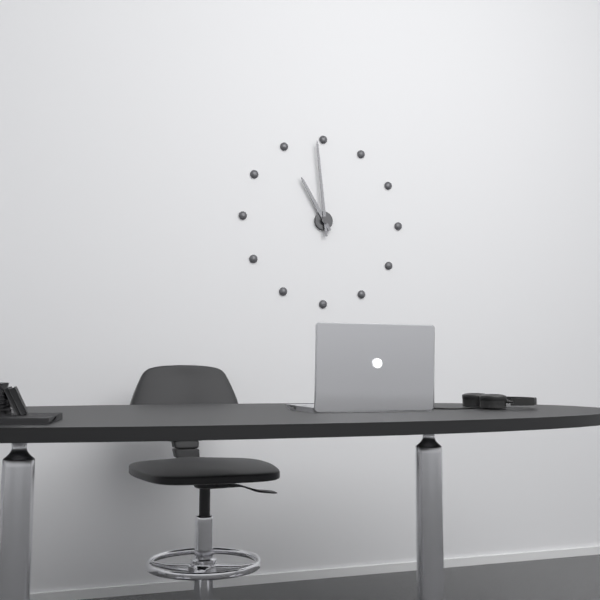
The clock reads h=10 m=59
